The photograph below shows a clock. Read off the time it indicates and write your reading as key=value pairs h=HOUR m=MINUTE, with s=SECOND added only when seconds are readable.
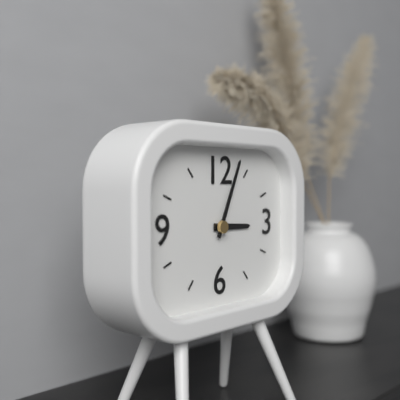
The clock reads h=3 m=4
